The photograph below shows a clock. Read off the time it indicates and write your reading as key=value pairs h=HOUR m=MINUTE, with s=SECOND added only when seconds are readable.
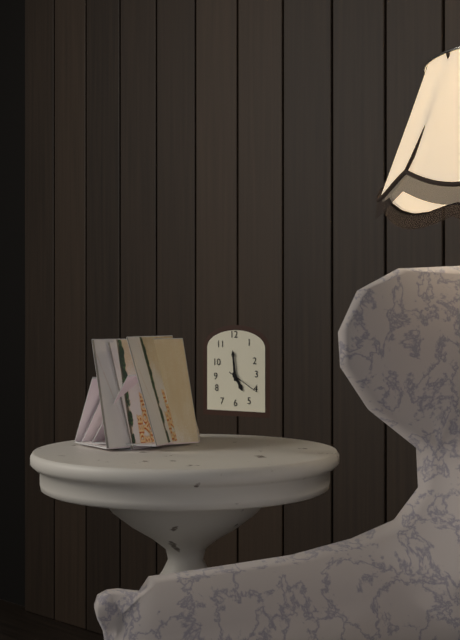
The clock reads h=4 m=59
